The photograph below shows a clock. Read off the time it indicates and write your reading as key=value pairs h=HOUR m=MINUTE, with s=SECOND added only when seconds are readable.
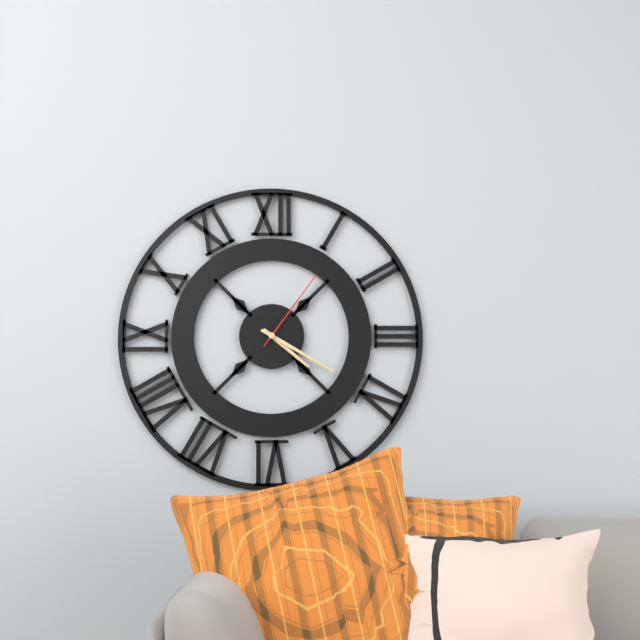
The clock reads h=4 m=20 s=6
